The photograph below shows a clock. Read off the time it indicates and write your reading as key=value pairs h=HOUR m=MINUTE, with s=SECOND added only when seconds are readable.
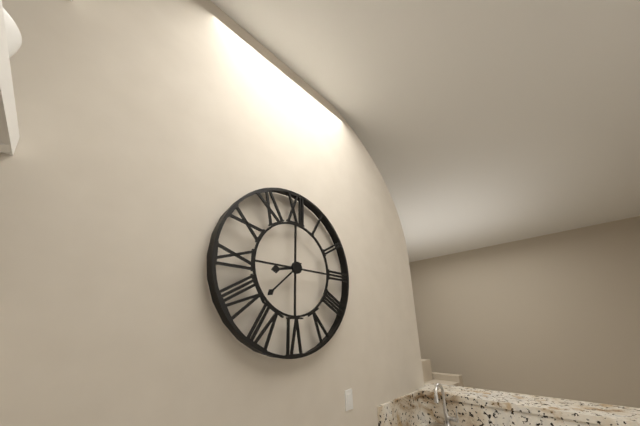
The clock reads h=8 m=38
